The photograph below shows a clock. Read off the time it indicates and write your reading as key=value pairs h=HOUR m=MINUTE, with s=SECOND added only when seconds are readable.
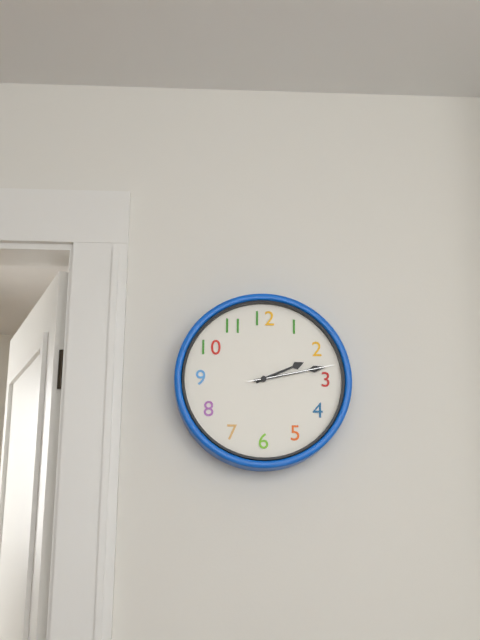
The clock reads h=2 m=13 s=13
